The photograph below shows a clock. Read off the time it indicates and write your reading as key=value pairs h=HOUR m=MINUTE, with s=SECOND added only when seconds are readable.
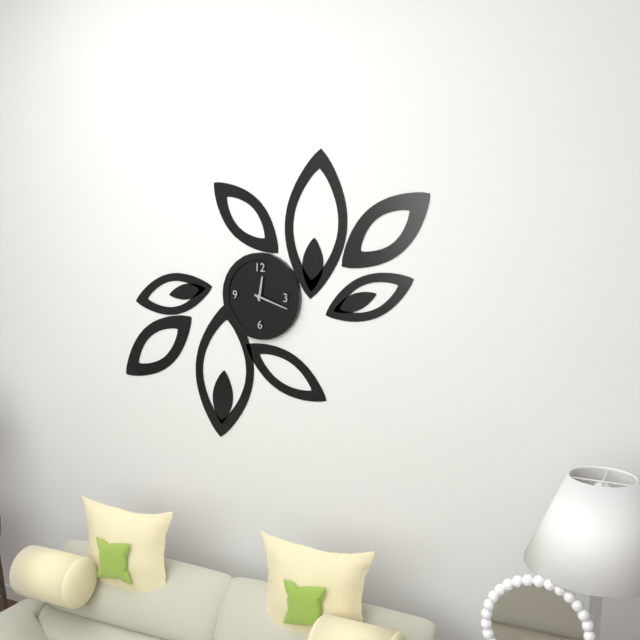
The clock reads h=12 m=18
